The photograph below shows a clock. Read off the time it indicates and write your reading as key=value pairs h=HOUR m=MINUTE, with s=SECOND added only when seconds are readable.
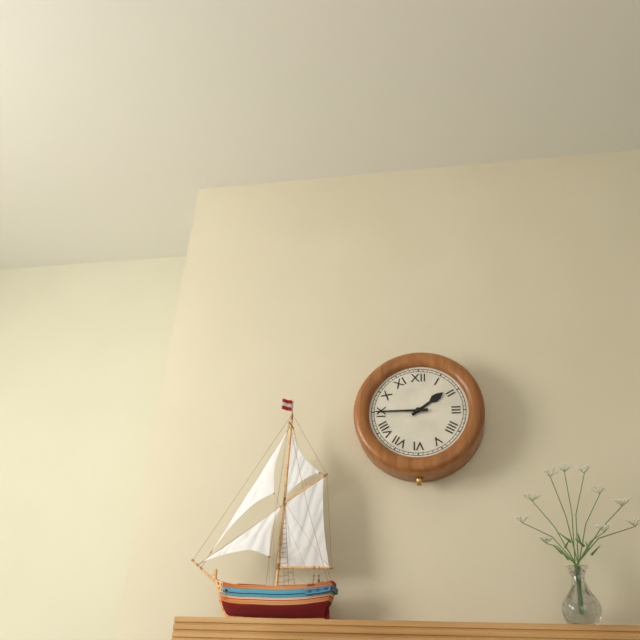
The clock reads h=1 m=45
